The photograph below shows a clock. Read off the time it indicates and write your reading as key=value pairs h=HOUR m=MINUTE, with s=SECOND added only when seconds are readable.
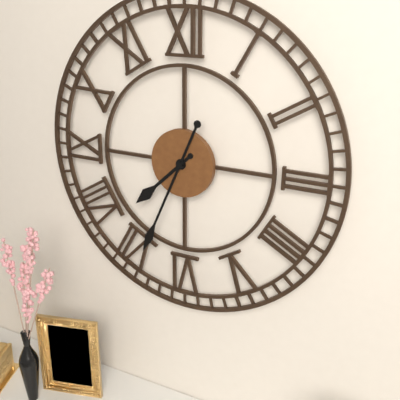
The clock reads h=7 m=34
